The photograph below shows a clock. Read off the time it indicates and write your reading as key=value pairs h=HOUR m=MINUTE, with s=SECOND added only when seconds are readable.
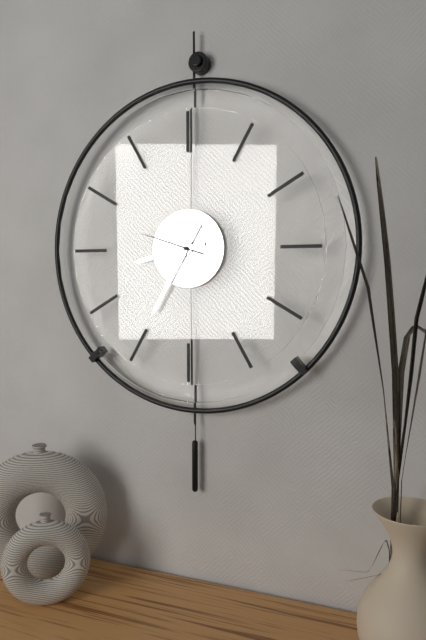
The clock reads h=8 m=35 s=48
